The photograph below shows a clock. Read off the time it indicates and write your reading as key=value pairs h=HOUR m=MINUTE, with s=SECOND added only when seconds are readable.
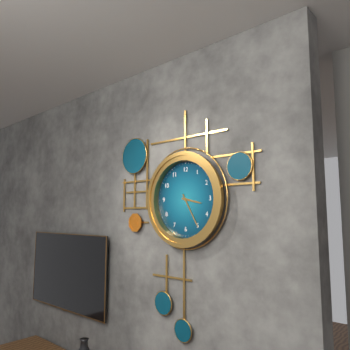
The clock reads h=3 m=25
